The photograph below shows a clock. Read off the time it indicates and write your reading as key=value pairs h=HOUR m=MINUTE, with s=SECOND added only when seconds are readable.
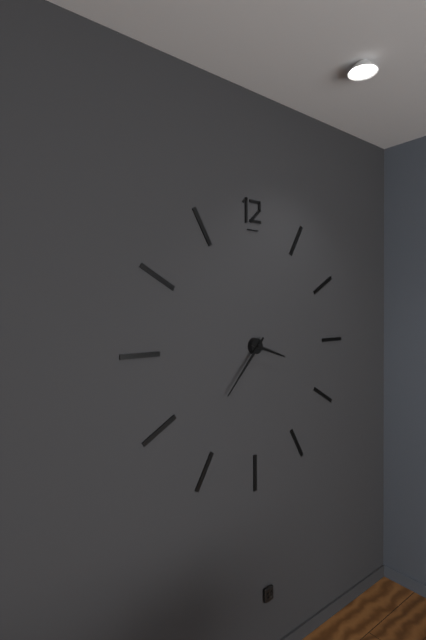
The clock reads h=3 m=37
